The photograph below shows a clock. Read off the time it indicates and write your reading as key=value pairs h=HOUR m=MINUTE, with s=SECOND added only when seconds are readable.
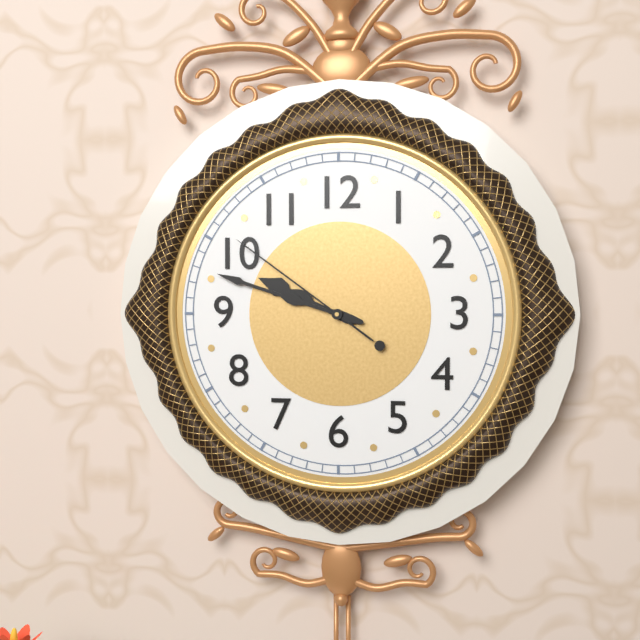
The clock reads h=9 m=48 s=51
